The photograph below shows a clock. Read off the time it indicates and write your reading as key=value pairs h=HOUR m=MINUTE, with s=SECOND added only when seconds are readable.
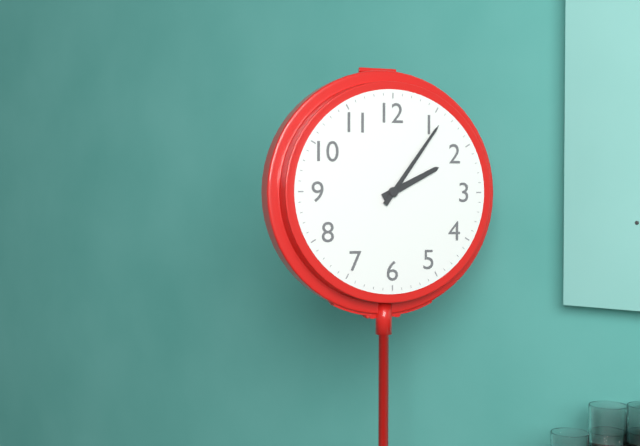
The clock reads h=2 m=6
